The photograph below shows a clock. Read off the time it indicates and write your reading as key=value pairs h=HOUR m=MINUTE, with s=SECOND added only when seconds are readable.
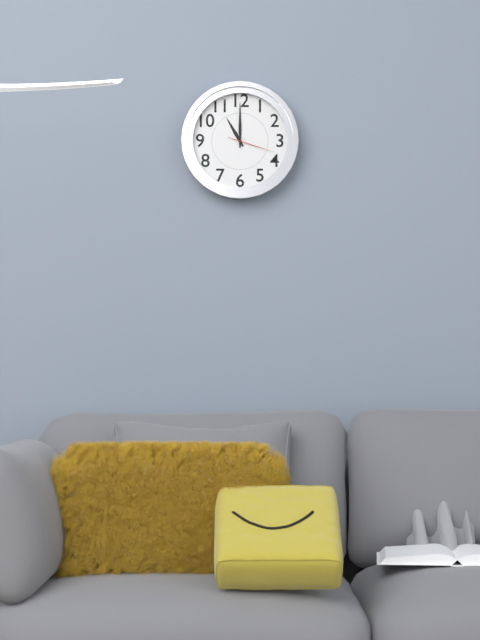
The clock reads h=11 m=0
